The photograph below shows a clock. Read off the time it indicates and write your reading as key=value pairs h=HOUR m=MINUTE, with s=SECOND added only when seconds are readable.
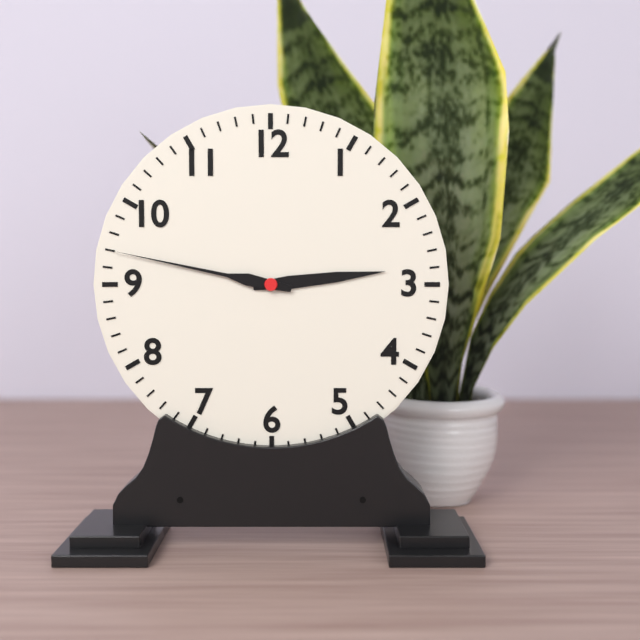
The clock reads h=2 m=47
